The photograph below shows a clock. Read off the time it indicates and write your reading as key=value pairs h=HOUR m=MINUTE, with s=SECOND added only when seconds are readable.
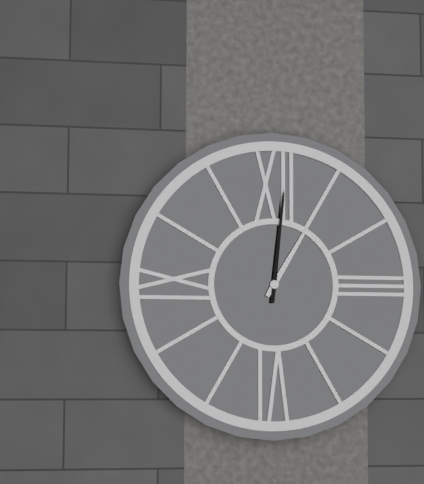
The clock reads h=1 m=1
